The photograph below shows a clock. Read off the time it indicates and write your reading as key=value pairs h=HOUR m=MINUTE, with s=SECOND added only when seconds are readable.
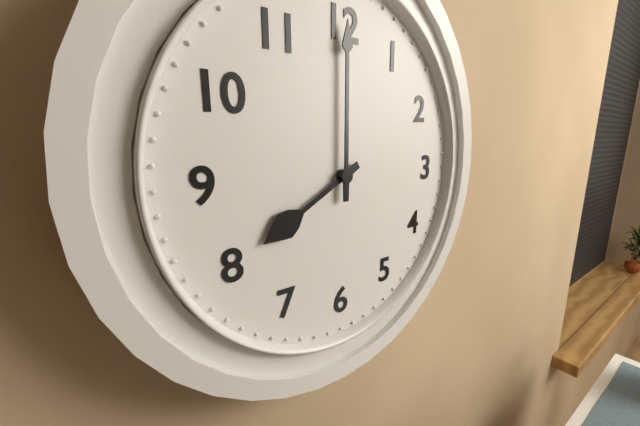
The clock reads h=8 m=0
